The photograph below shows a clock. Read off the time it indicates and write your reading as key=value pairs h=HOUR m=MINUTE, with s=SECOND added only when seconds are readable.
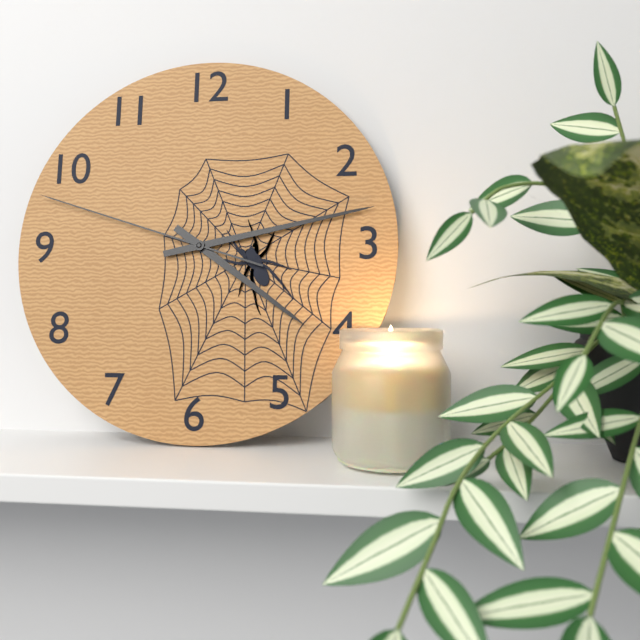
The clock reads h=4 m=13 s=48
